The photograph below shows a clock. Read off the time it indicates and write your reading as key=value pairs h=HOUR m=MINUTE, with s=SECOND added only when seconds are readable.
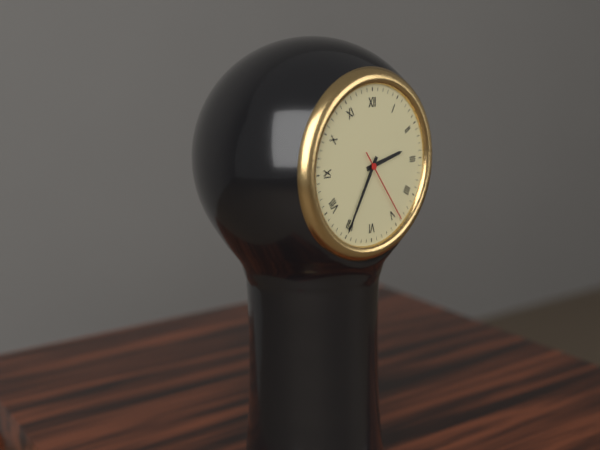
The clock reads h=2 m=35 s=24
